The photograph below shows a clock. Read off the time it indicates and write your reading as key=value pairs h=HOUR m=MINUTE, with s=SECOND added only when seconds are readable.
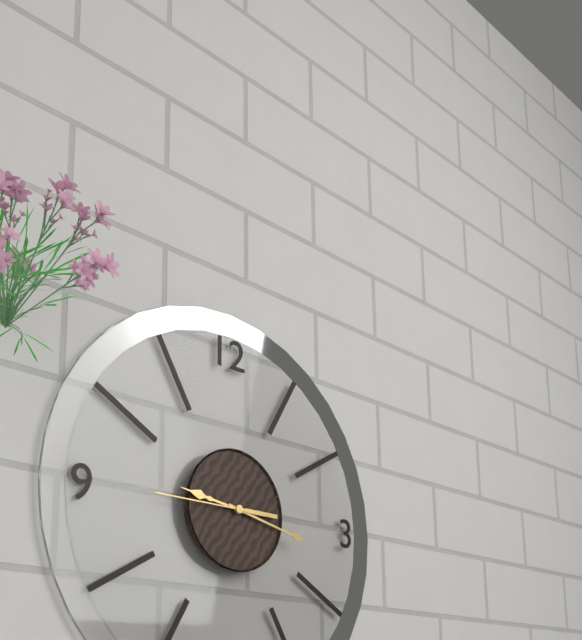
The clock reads h=9 m=17 s=45
